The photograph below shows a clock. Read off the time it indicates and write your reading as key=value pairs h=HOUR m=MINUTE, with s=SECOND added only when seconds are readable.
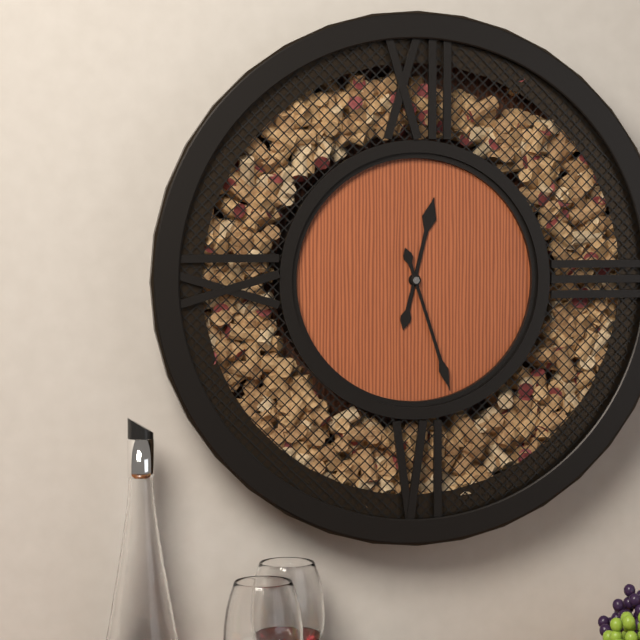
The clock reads h=12 m=27
